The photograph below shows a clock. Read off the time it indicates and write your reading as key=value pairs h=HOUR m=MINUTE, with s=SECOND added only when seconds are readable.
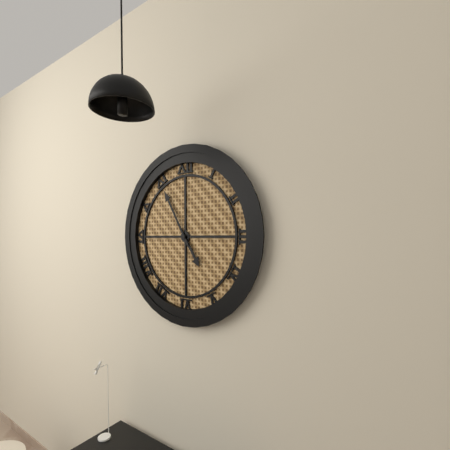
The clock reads h=4 m=55
